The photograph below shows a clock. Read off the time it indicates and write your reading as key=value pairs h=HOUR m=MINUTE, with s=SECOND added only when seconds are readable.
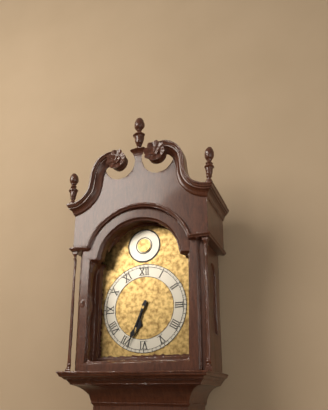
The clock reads h=6 m=34
